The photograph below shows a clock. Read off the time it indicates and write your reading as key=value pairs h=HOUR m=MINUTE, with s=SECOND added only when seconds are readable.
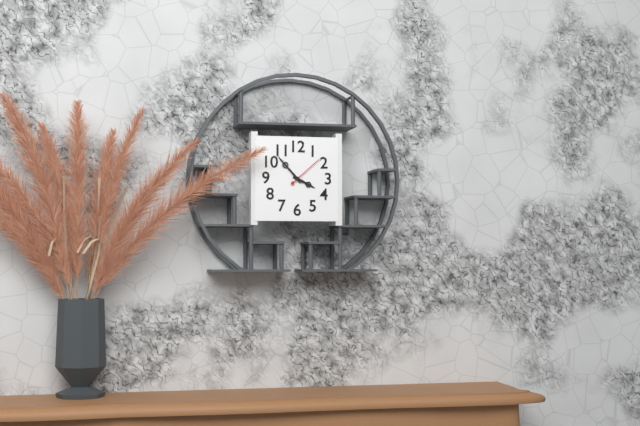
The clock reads h=3 m=53
